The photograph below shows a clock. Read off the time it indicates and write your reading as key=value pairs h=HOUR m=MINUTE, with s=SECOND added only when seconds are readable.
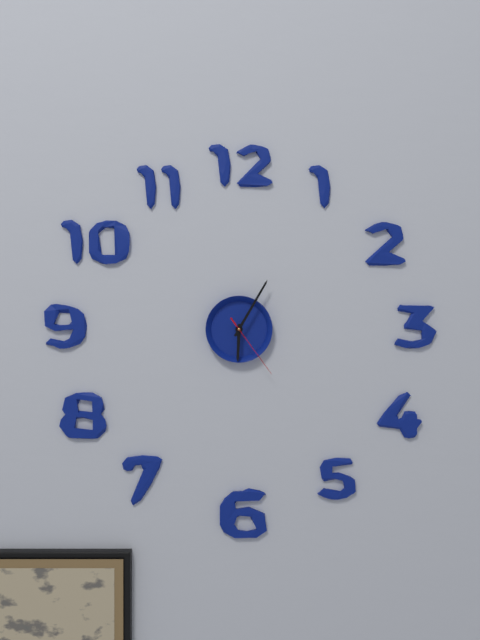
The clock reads h=6 m=5 s=24
